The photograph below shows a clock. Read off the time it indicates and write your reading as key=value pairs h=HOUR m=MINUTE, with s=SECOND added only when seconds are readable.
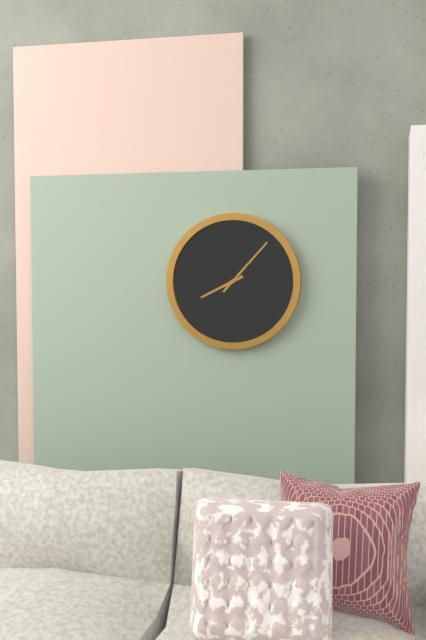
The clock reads h=8 m=7
